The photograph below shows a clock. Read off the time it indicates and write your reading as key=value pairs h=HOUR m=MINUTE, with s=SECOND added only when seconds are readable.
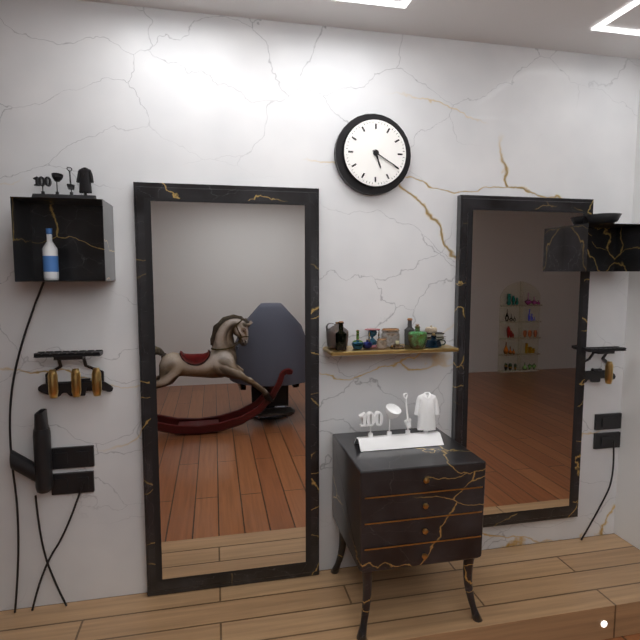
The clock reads h=5 m=20
